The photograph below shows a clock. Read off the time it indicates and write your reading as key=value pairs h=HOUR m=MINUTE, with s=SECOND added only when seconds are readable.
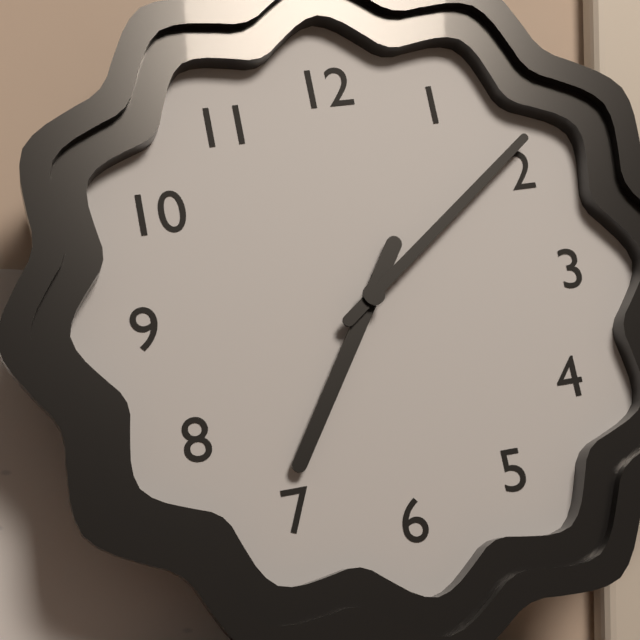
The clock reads h=7 m=9
